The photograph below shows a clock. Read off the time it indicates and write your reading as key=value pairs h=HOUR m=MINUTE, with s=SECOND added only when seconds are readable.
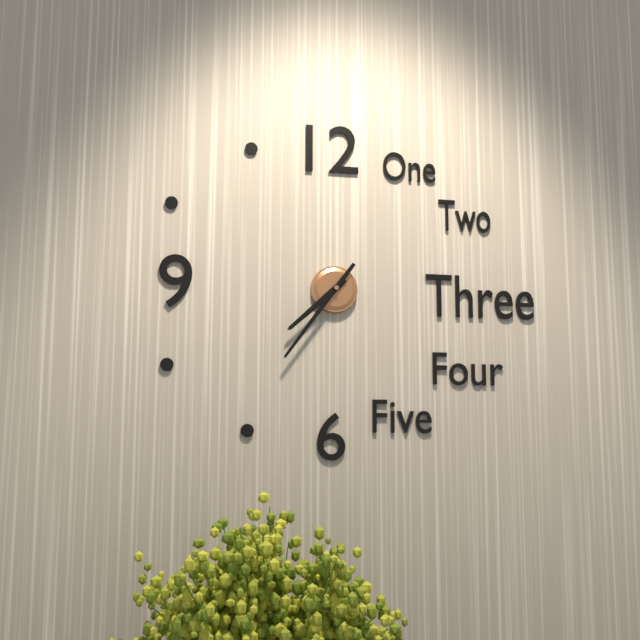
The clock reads h=7 m=36
